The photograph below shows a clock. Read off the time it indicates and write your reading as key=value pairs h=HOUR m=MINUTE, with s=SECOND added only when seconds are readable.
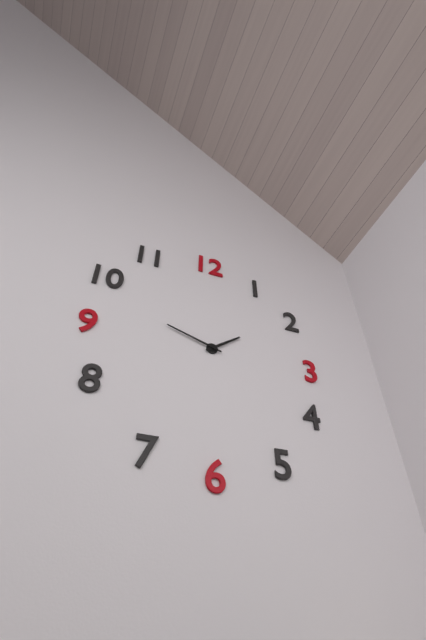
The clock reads h=1 m=48
